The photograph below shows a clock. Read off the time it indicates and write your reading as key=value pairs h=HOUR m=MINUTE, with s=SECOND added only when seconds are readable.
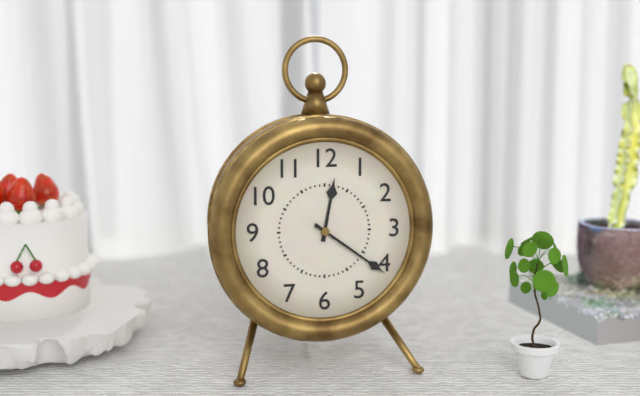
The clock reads h=12 m=21
